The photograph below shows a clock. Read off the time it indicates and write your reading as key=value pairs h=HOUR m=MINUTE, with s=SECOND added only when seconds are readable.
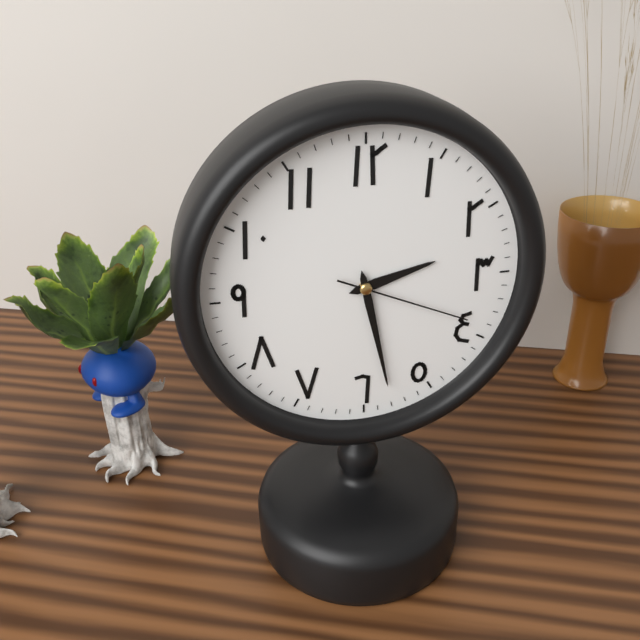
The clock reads h=2 m=28 s=19
